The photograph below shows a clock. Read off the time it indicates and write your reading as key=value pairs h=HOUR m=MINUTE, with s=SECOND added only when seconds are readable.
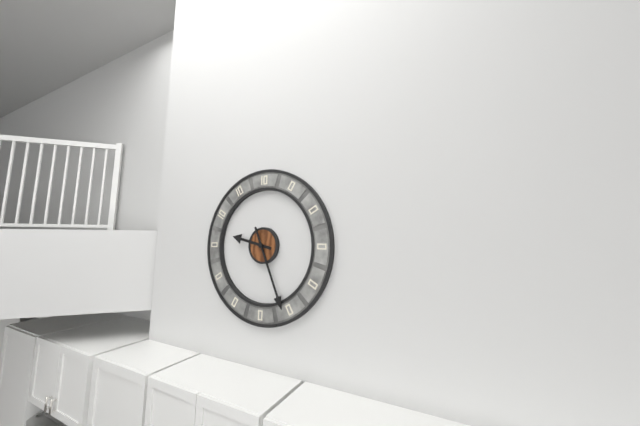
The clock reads h=9 m=26
